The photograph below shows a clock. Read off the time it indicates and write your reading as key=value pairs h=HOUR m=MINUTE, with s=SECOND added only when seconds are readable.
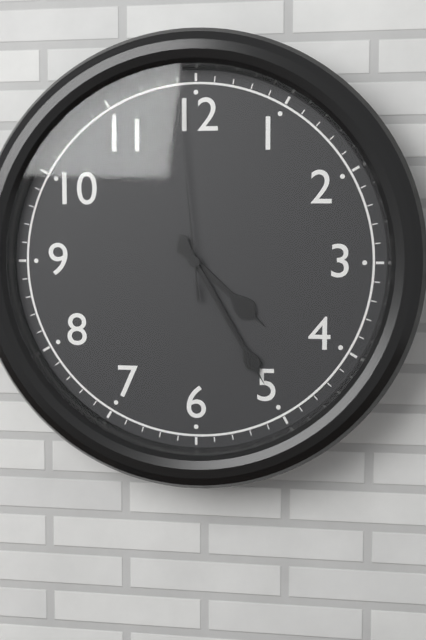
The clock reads h=4 m=25 s=59
